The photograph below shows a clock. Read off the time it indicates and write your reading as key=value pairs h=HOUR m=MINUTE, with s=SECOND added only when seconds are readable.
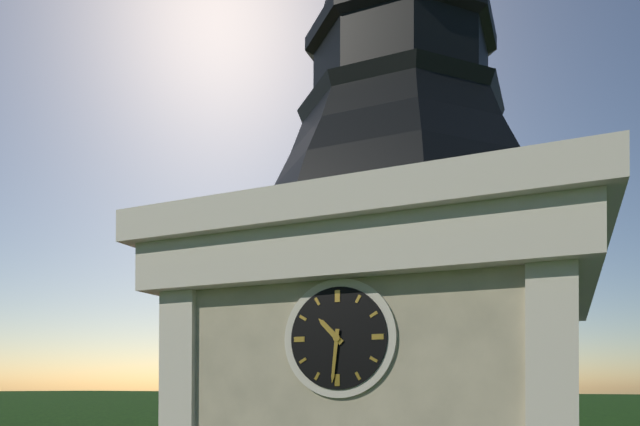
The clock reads h=10 m=31
